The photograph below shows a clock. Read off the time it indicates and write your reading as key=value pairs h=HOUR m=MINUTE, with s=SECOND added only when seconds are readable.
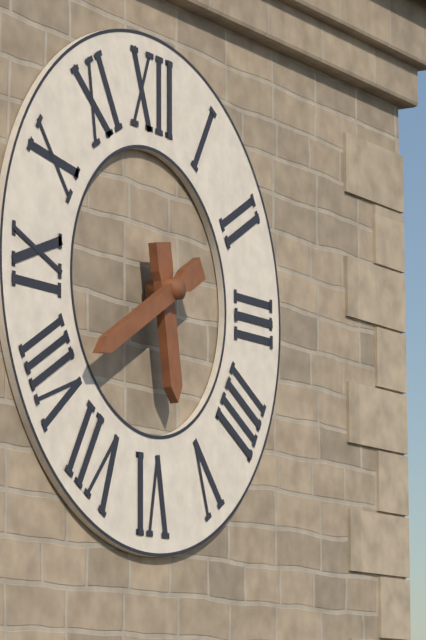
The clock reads h=5 m=40
